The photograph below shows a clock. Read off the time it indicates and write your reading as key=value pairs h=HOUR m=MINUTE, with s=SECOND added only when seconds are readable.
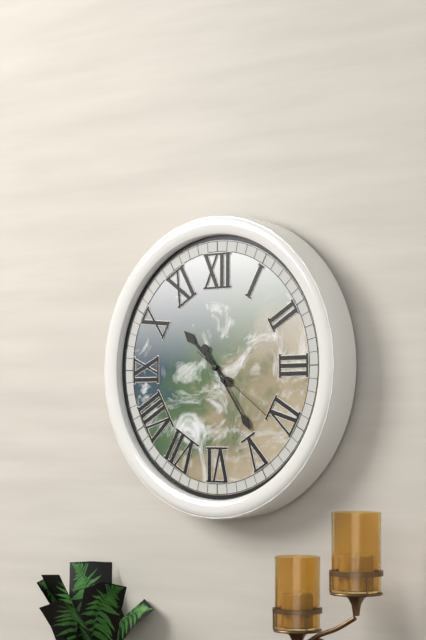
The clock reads h=10 m=24 s=21
